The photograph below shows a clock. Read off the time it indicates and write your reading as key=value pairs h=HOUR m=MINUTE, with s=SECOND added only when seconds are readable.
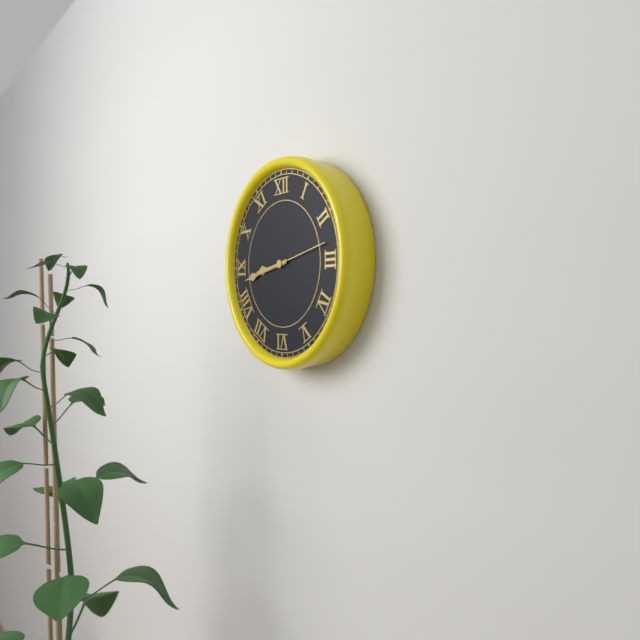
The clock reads h=8 m=43 s=13
